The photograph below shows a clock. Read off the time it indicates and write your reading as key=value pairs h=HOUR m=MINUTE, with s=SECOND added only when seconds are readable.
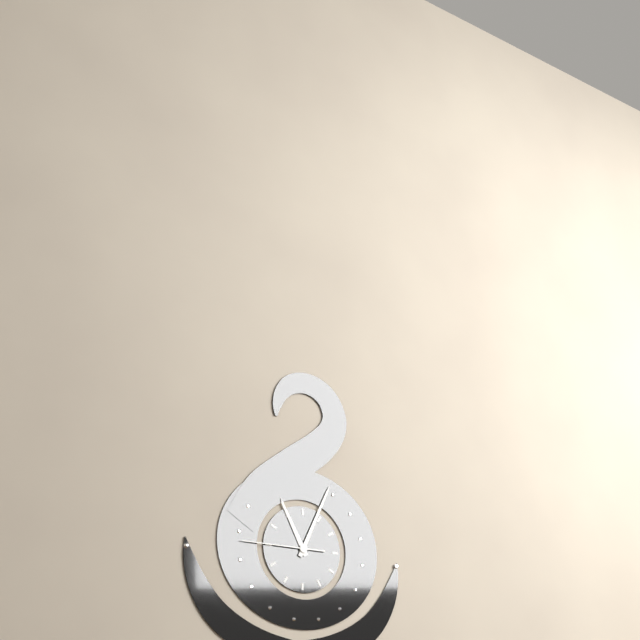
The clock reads h=11 m=4 s=45
